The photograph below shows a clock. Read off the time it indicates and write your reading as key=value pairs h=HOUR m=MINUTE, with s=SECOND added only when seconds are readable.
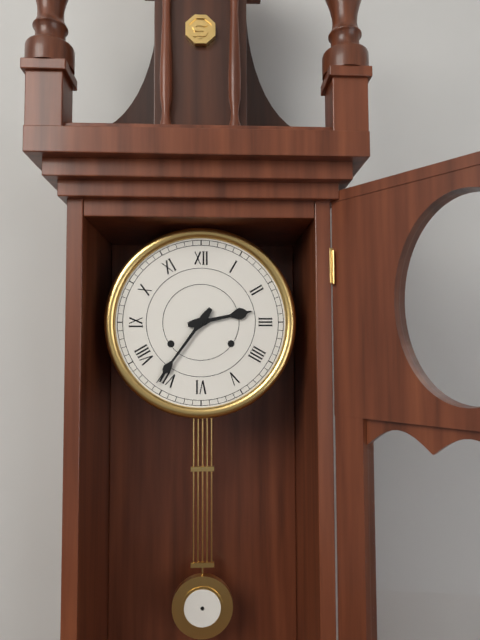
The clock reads h=2 m=36
